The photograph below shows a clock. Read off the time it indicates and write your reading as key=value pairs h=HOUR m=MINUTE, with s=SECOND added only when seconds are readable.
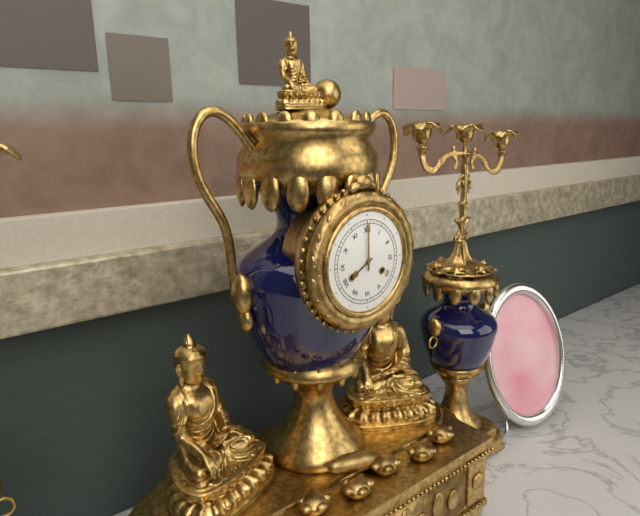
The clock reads h=8 m=0
